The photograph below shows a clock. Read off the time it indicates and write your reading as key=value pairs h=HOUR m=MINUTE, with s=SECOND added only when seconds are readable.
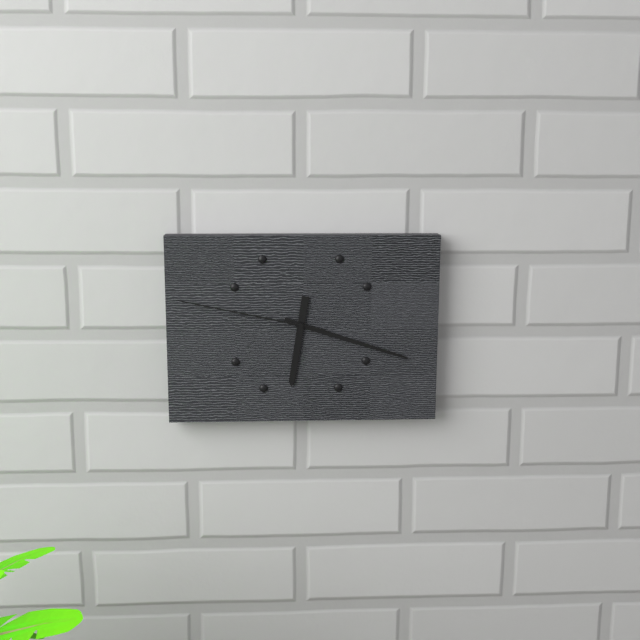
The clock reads h=6 m=18 s=47
